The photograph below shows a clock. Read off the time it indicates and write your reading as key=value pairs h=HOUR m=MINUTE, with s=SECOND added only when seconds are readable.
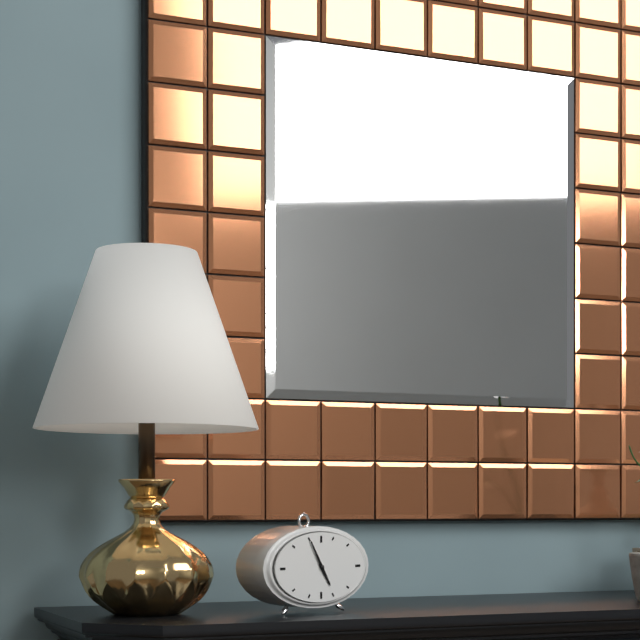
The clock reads h=4 m=55
